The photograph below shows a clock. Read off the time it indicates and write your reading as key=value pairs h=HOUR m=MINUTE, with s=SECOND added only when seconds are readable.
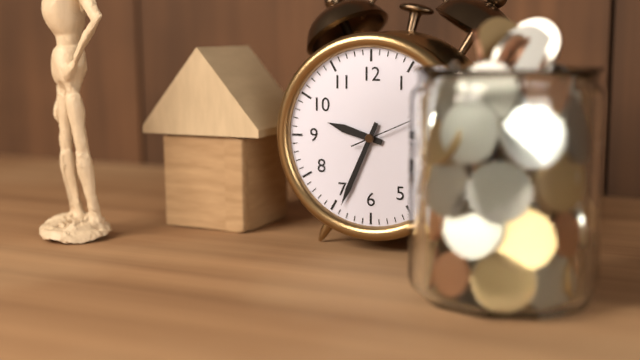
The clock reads h=9 m=34 s=11
